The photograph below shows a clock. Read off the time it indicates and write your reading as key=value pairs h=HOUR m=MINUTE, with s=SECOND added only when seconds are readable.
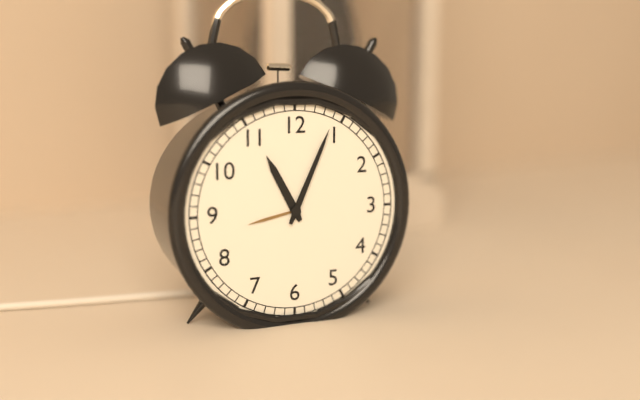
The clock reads h=11 m=4
